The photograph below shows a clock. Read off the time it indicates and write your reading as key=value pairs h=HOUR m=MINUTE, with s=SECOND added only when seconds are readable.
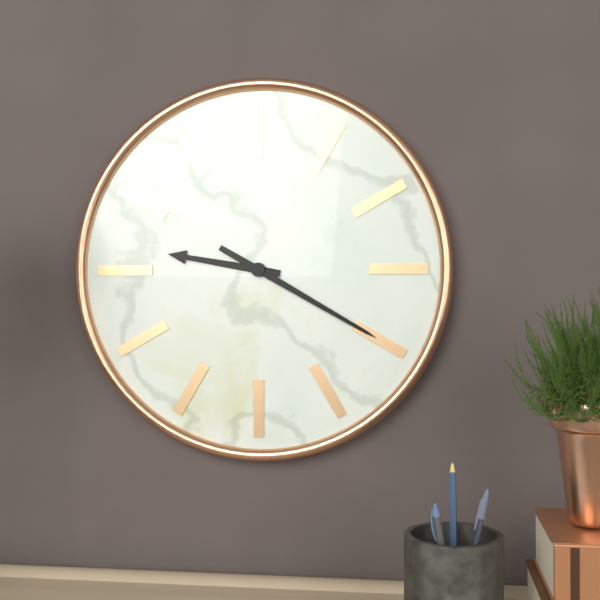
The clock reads h=9 m=20
